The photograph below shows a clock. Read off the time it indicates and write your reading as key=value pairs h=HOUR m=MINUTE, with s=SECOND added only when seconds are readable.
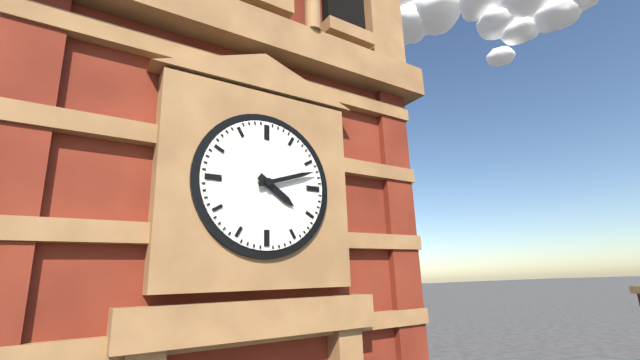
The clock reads h=4 m=12
